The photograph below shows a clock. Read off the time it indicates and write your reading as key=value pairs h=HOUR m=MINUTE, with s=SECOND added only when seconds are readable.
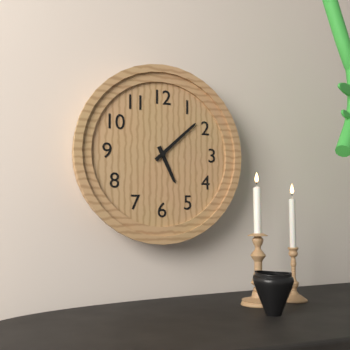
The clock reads h=5 m=8
